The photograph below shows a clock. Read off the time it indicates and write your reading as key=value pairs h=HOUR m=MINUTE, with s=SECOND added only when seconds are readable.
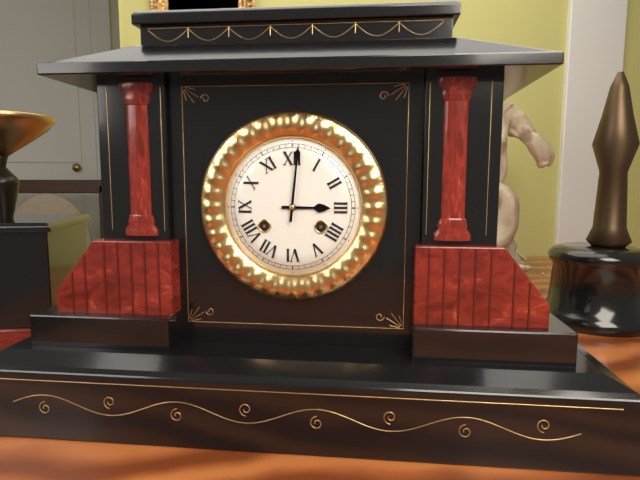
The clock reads h=3 m=1
